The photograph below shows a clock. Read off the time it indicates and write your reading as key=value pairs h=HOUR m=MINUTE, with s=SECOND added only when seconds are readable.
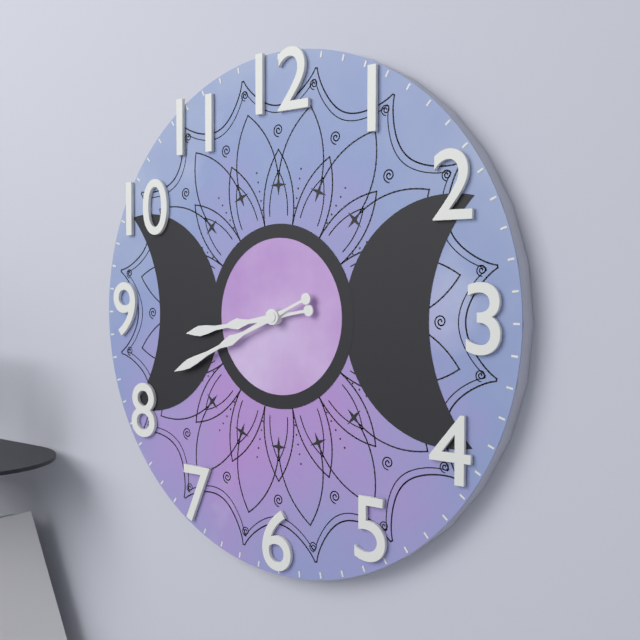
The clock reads h=8 m=41
